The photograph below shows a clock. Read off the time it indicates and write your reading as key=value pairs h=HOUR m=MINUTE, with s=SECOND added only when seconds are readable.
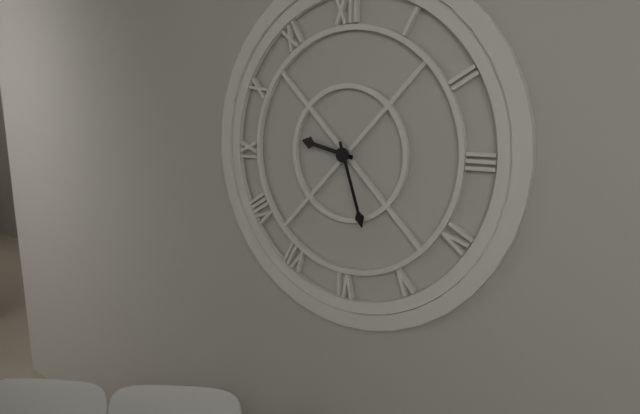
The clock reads h=9 m=27
